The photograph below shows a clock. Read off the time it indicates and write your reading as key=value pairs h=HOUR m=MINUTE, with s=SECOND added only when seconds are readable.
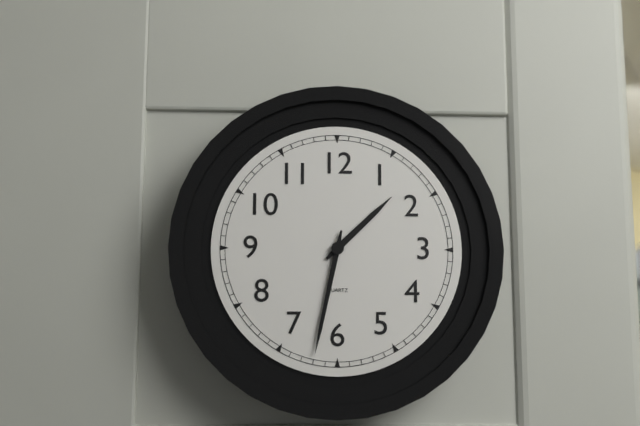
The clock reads h=1 m=32
